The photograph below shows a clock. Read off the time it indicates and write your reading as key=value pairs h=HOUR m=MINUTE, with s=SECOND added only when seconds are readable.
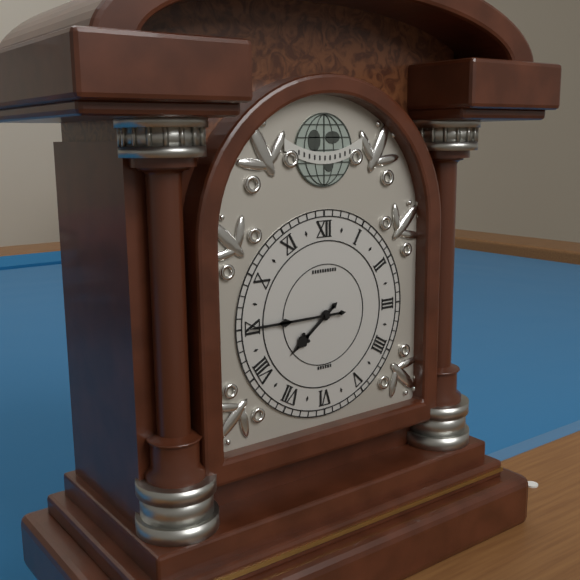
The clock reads h=7 m=45
